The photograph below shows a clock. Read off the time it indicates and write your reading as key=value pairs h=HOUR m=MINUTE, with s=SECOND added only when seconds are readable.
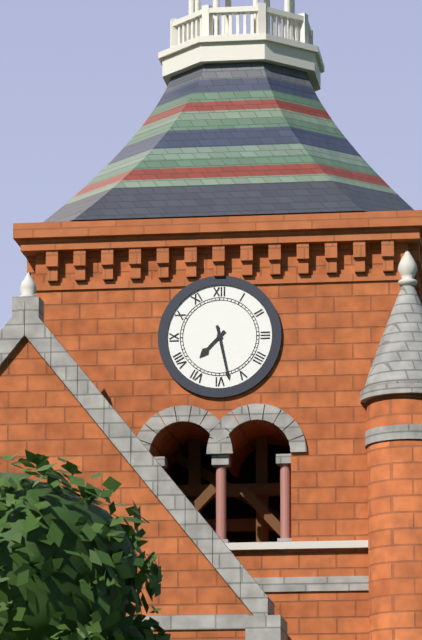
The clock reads h=7 m=28
